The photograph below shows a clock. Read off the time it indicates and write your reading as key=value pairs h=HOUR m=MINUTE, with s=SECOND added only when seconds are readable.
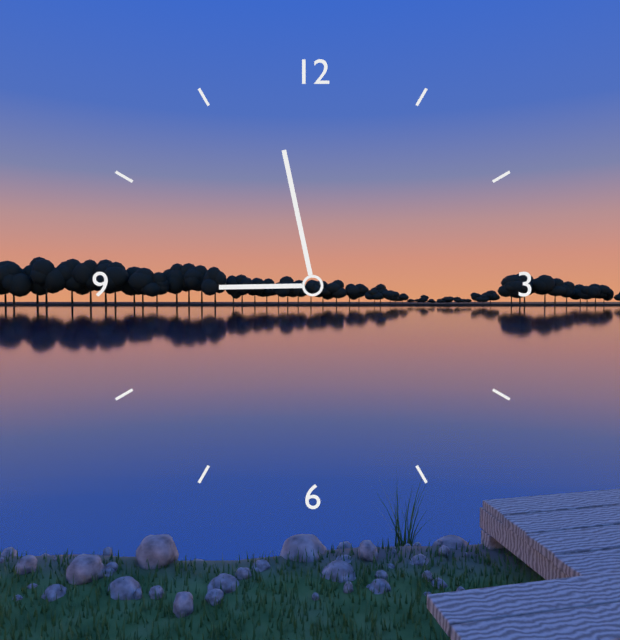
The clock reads h=8 m=58
